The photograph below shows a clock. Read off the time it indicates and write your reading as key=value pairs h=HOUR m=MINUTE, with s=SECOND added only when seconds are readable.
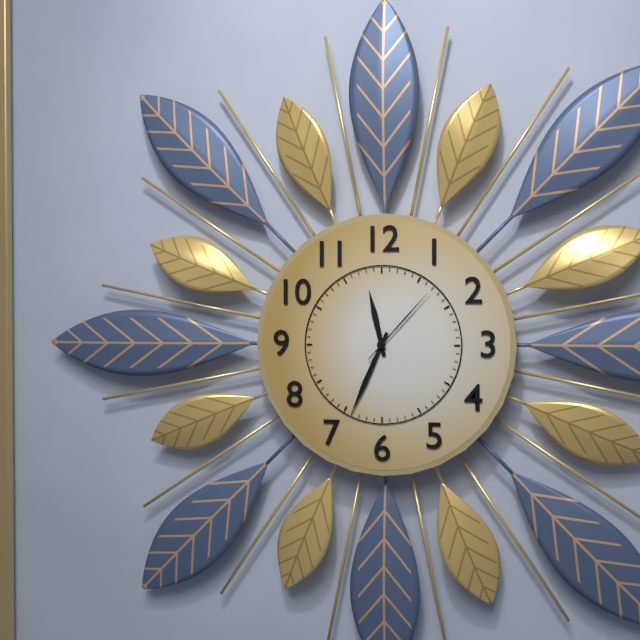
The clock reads h=11 m=34 s=7
